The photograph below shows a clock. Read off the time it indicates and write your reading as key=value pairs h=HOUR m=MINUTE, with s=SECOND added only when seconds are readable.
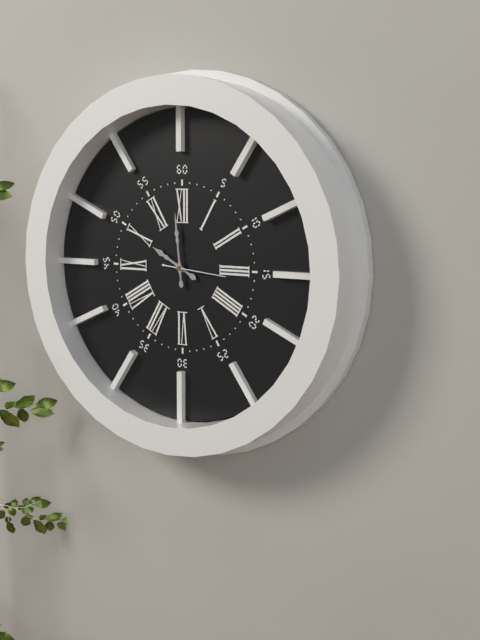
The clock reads h=9 m=59 s=16
